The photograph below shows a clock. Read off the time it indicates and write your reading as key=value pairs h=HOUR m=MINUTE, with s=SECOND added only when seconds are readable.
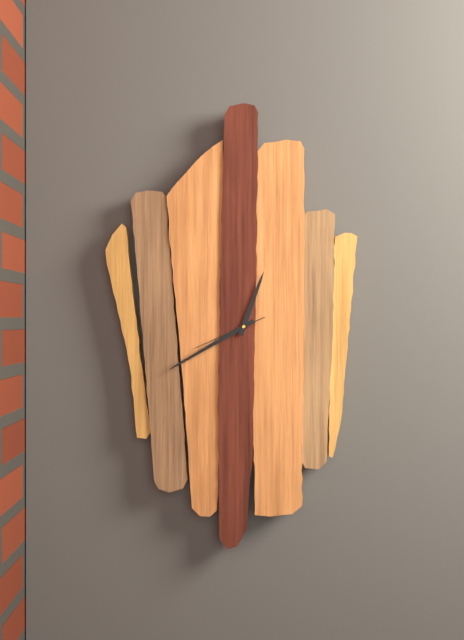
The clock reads h=12 m=40 s=41
